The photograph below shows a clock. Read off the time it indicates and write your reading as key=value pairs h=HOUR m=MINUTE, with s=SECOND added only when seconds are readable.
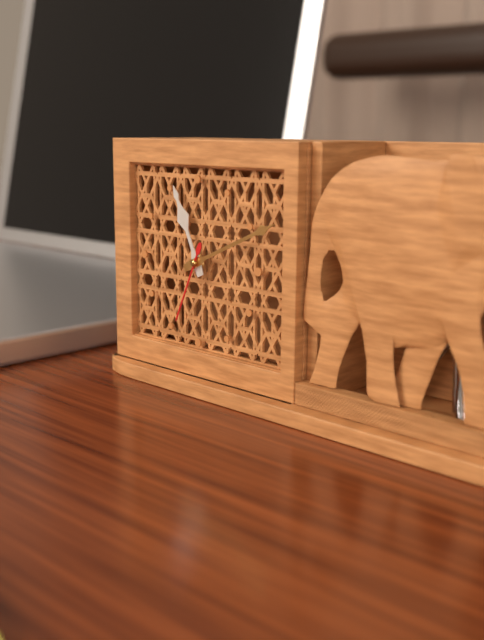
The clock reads h=11 m=11 s=34
